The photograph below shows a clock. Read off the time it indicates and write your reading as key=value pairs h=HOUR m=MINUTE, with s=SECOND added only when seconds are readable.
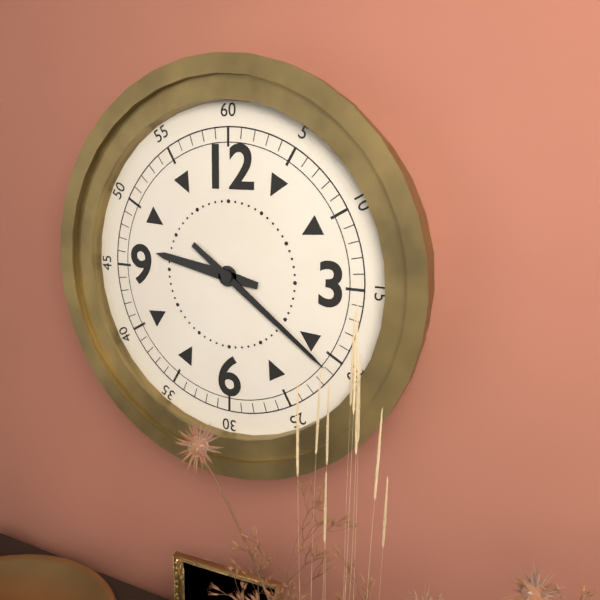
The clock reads h=9 m=21
